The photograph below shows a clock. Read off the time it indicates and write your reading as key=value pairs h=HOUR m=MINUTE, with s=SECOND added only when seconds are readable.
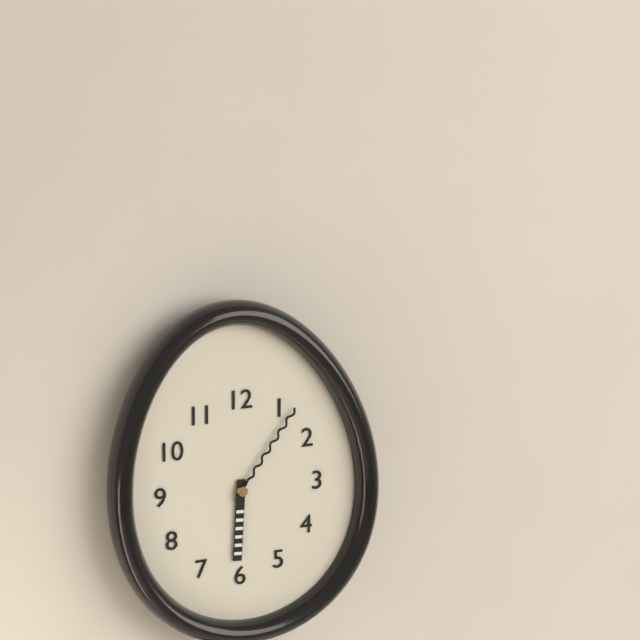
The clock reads h=6 m=6
